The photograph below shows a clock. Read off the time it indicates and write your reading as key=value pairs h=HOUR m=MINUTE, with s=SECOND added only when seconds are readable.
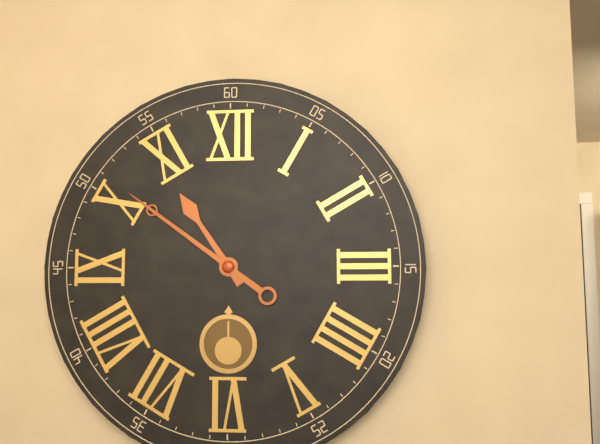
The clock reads h=10 m=51
